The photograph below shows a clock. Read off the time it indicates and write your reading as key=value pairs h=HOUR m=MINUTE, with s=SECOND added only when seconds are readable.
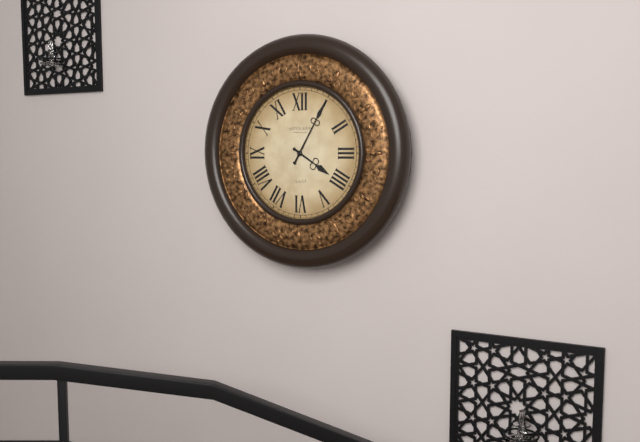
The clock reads h=4 m=5
